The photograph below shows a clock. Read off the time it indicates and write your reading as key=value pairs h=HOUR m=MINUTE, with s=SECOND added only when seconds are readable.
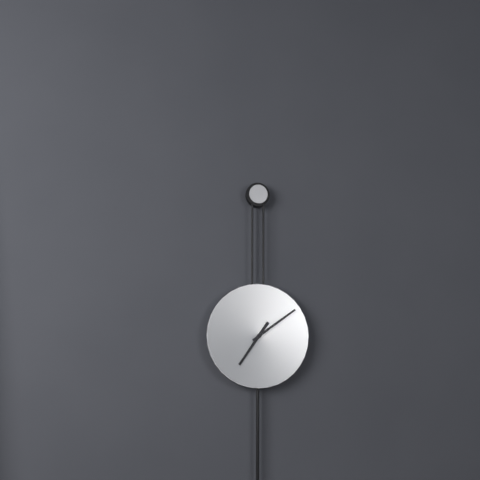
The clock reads h=7 m=9
